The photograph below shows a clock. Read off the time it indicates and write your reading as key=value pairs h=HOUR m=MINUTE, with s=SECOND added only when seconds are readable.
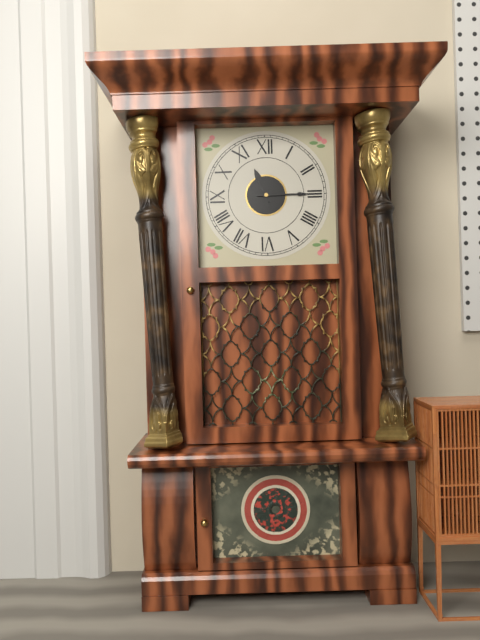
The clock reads h=11 m=15
